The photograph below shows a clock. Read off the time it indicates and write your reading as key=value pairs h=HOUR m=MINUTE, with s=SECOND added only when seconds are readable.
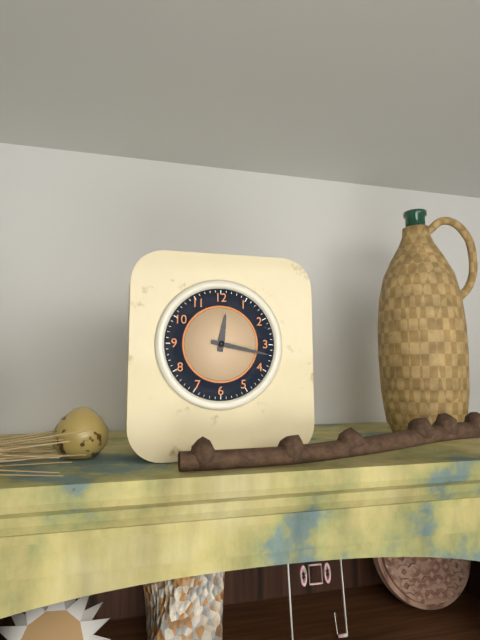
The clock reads h=12 m=17
